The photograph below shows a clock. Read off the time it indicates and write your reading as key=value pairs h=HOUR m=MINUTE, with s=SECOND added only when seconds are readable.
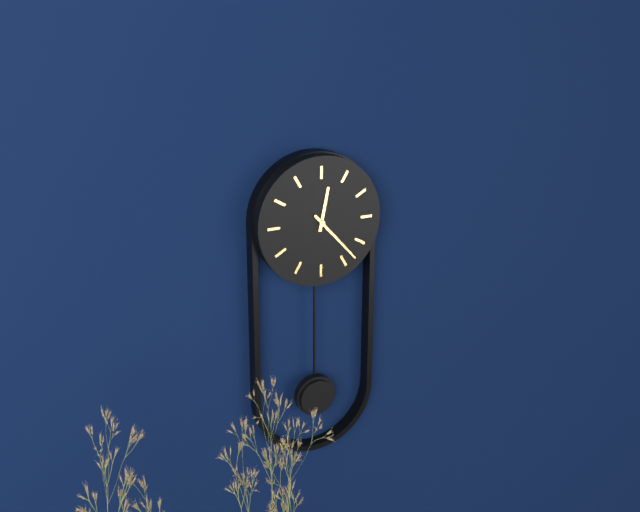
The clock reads h=12 m=23
